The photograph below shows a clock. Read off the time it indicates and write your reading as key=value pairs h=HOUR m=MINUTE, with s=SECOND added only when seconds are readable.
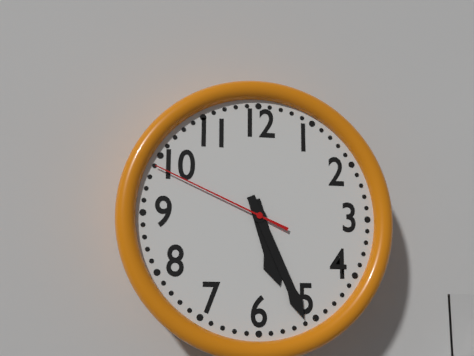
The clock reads h=5 m=26 s=49
